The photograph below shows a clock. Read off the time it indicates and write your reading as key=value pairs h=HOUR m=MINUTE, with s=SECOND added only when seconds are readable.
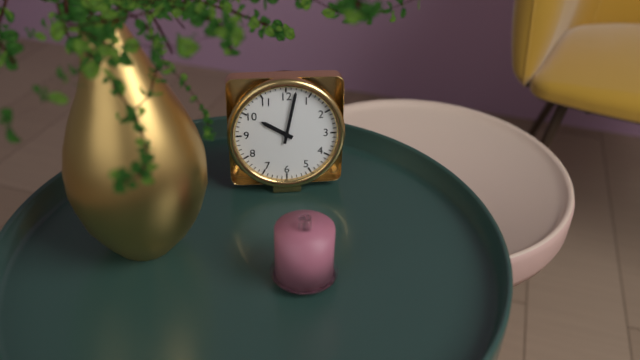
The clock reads h=10 m=2
